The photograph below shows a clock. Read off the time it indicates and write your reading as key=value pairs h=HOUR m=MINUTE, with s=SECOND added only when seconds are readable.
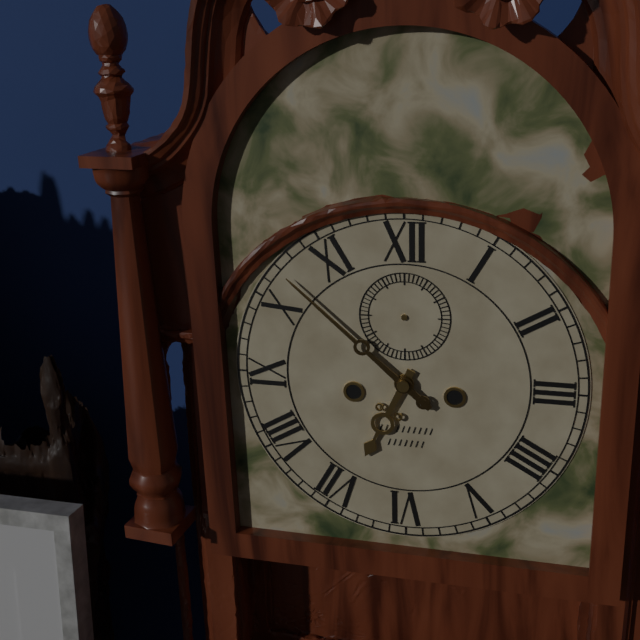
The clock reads h=6 m=52
